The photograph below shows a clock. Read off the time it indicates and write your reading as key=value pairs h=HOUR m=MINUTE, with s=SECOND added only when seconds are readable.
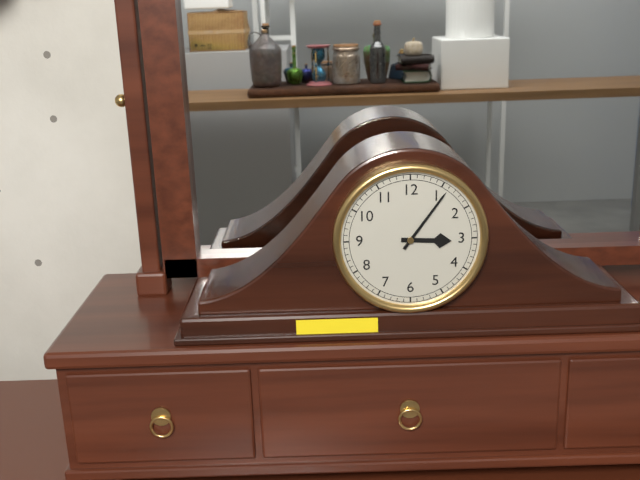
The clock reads h=3 m=6
